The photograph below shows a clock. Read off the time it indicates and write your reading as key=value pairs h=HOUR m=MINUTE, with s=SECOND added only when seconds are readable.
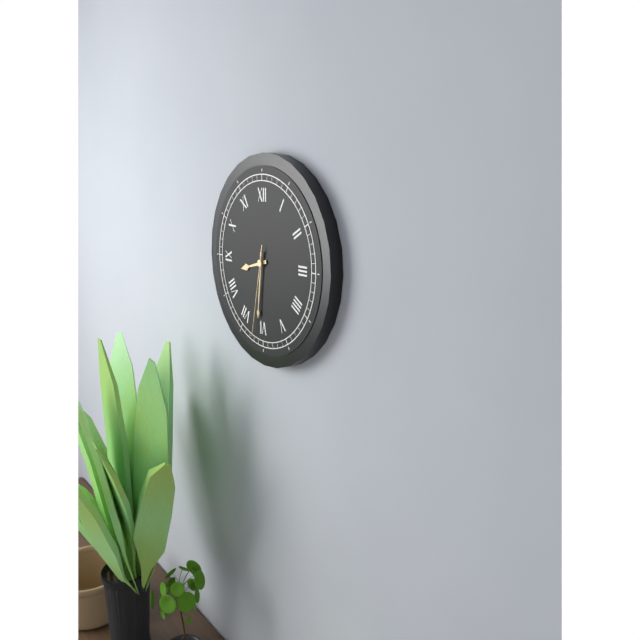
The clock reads h=8 m=31 s=32
